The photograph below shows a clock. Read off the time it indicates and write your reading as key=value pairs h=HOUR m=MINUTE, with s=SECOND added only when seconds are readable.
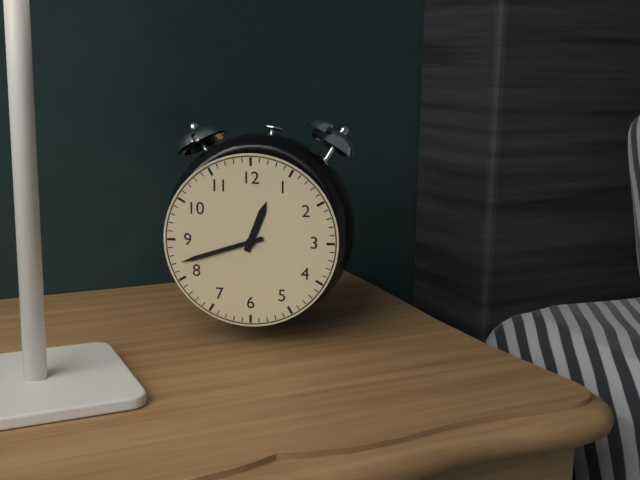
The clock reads h=12 m=42
